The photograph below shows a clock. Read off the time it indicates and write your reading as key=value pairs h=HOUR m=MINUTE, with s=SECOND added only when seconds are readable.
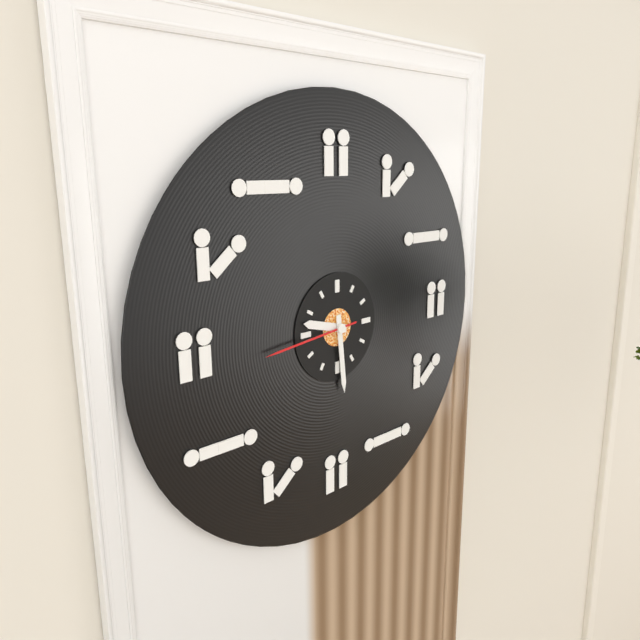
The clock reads h=9 m=29 s=44
